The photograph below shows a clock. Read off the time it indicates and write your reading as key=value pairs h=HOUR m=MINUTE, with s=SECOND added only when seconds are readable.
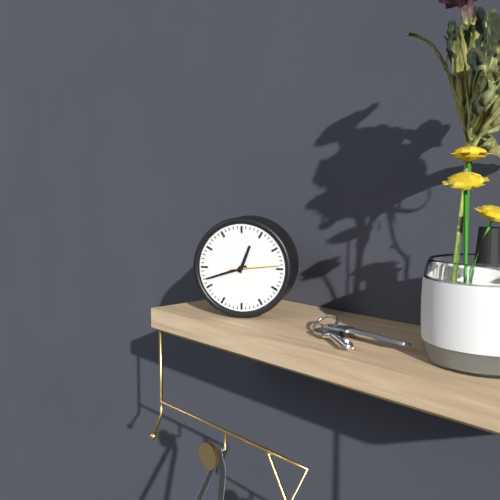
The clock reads h=12 m=42
